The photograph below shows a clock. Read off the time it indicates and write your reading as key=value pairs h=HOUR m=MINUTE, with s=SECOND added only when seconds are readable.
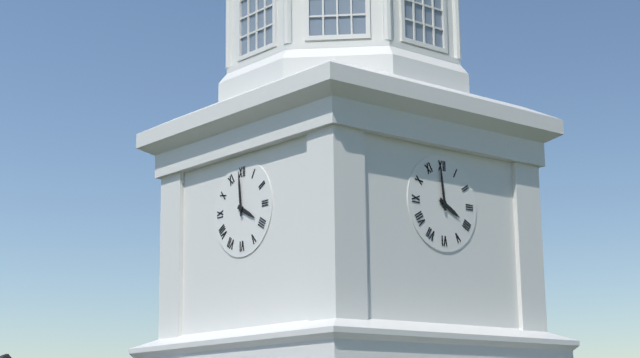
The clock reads h=3 m=59
